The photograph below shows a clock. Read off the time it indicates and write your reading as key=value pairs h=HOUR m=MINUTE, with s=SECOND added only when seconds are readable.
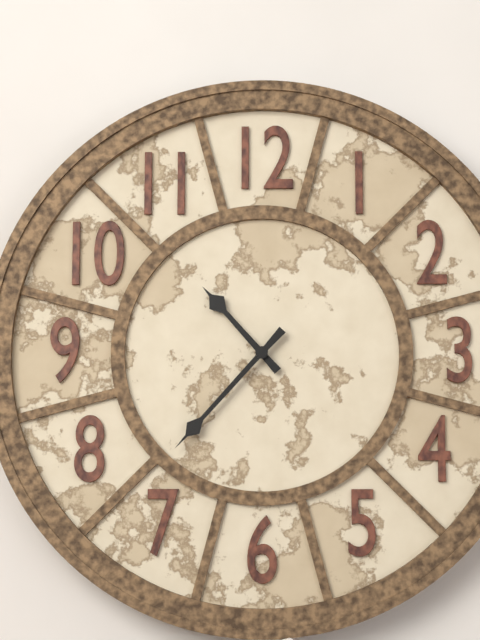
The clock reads h=10 m=37
